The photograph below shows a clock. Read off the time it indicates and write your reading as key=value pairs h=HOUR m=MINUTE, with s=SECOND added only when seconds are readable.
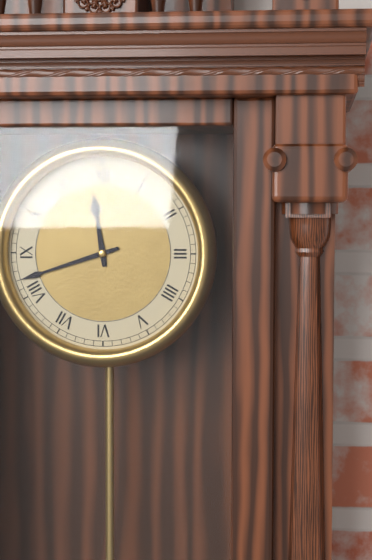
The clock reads h=11 m=42
